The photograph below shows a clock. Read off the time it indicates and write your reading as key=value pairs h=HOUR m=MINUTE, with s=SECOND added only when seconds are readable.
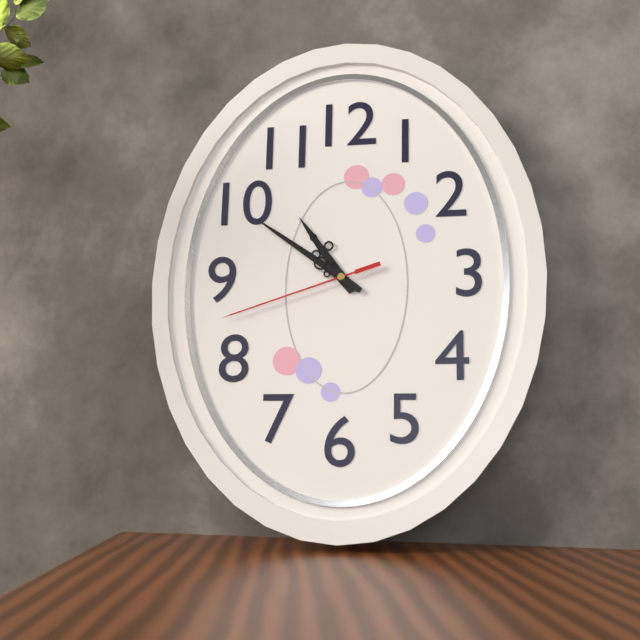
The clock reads h=10 m=51 s=42
